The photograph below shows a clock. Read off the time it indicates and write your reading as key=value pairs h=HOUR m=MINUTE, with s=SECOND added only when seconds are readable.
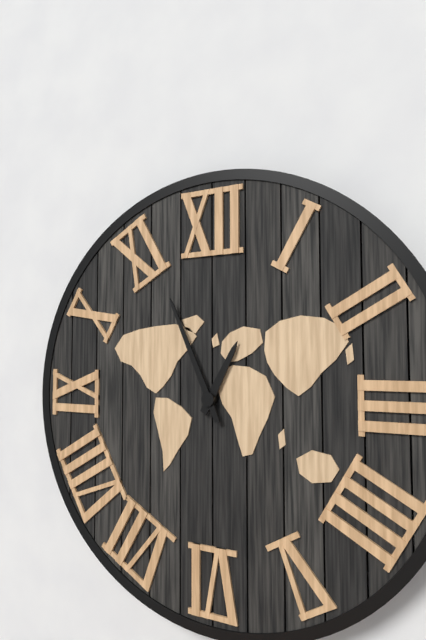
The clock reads h=12 m=56
